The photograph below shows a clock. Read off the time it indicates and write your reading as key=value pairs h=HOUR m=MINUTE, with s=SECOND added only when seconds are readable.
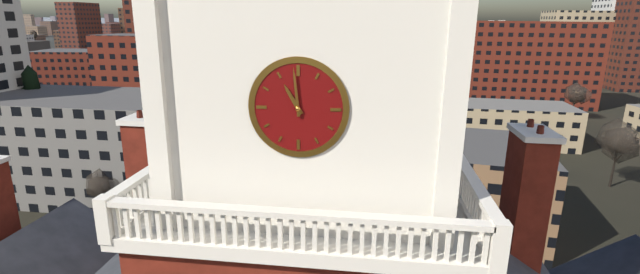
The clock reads h=10 m=59
